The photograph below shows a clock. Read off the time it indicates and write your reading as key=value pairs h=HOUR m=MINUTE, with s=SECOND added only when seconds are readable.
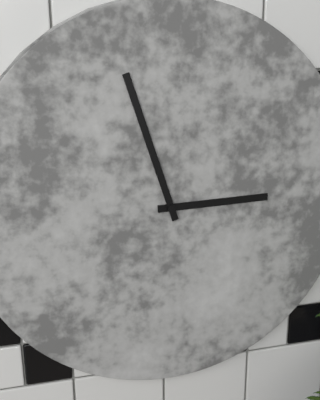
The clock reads h=2 m=57
